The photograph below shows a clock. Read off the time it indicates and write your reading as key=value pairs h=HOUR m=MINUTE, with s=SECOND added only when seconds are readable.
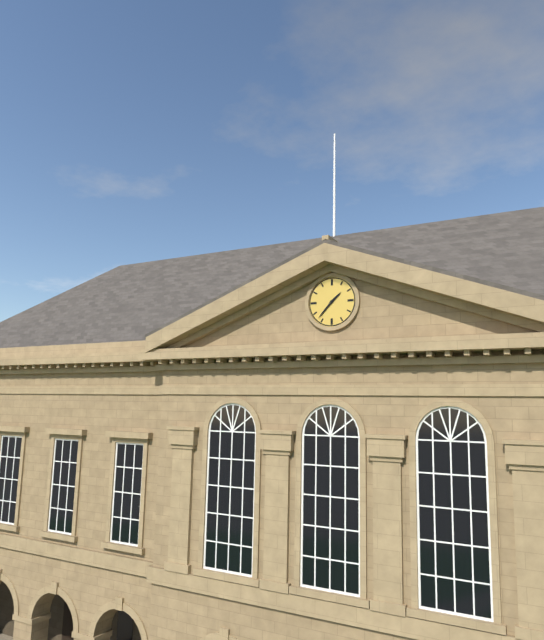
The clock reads h=1 m=37
